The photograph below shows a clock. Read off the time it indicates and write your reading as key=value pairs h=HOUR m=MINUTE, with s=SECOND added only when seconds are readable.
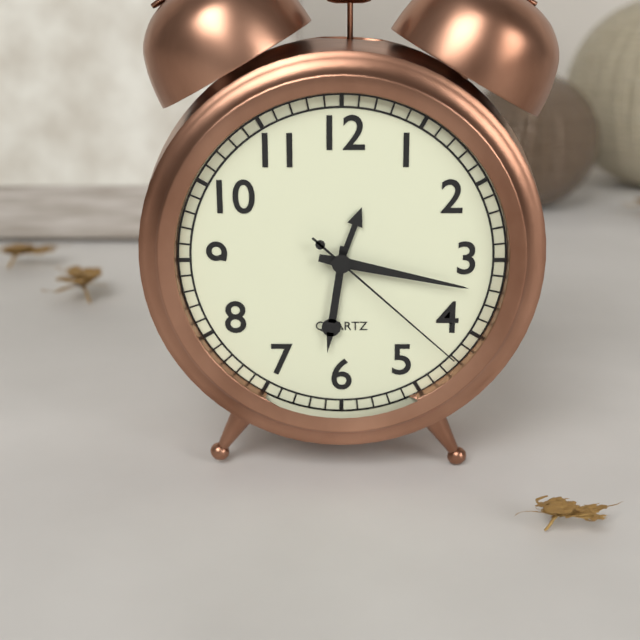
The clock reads h=6 m=17 s=22
